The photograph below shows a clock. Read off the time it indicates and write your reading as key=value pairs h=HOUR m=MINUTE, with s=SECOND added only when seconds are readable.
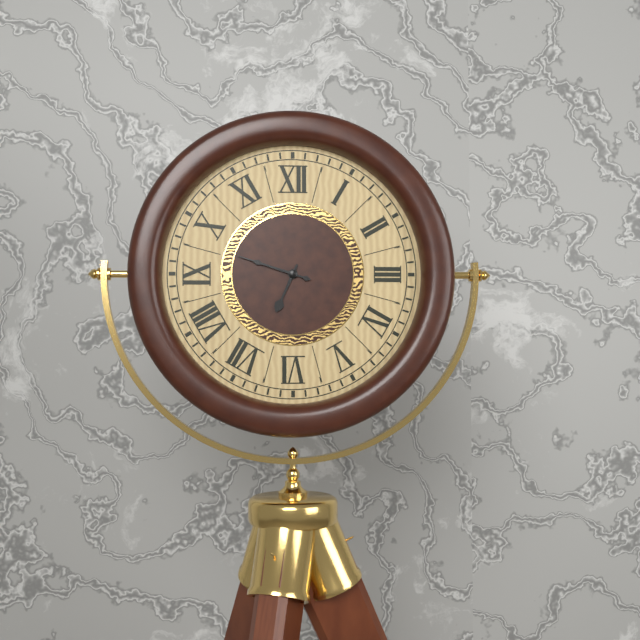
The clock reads h=6 m=48
